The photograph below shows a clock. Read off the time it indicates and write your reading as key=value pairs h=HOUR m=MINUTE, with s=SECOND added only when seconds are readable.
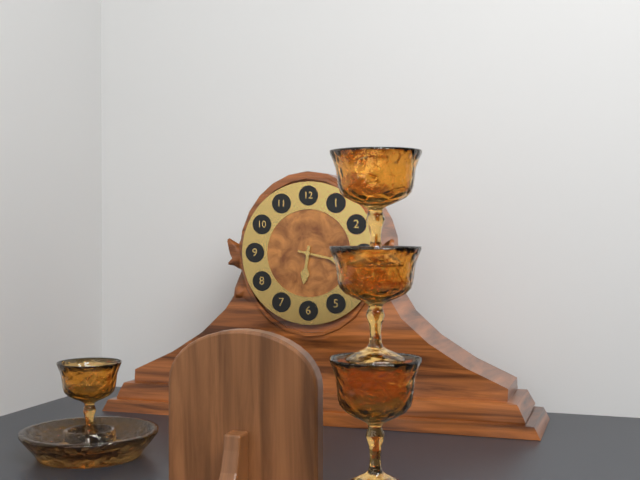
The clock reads h=6 m=17
